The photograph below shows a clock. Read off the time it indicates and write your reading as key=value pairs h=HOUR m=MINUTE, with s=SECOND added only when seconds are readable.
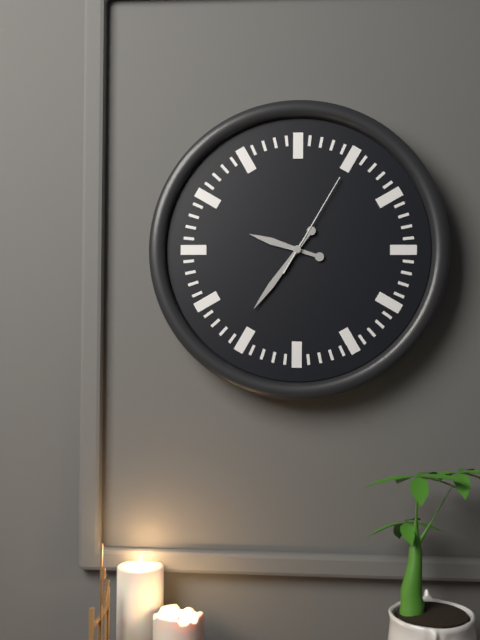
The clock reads h=9 m=36 s=5
